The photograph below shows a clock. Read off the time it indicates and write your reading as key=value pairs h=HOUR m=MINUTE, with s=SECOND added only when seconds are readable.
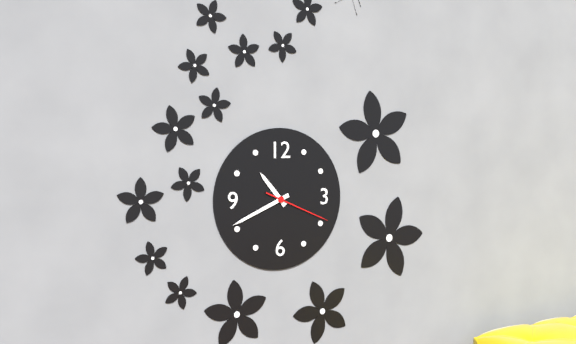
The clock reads h=10 m=41 s=19
